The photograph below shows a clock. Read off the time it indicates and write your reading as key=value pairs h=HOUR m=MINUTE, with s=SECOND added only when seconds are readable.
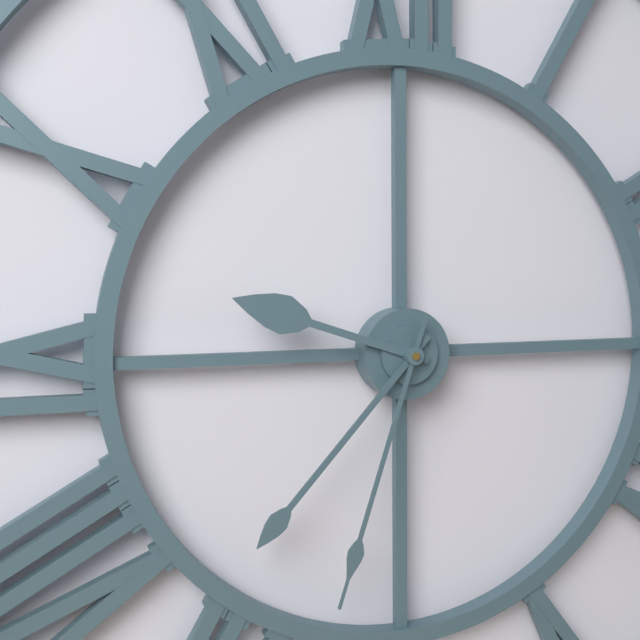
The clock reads h=9 m=37 s=33
